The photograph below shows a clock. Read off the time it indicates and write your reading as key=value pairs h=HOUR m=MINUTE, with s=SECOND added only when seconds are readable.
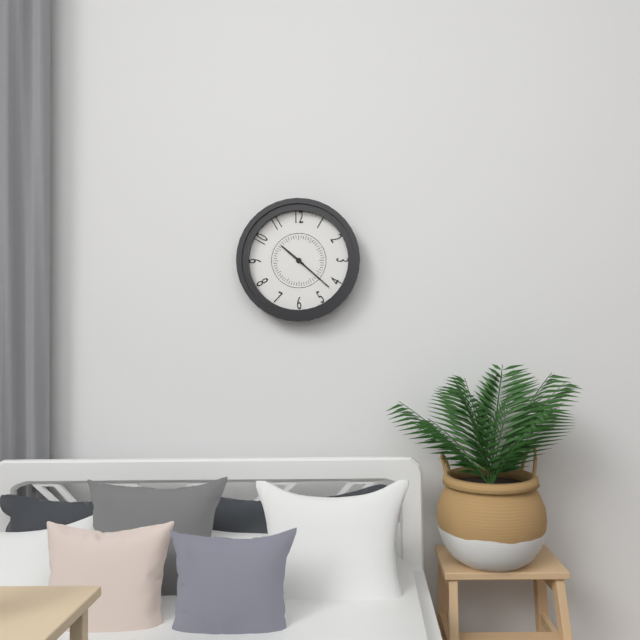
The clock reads h=10 m=22
